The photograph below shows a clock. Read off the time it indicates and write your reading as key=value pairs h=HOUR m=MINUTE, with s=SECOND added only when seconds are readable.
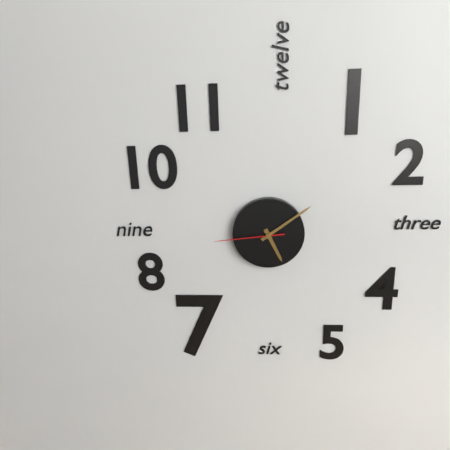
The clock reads h=5 m=9 s=44
